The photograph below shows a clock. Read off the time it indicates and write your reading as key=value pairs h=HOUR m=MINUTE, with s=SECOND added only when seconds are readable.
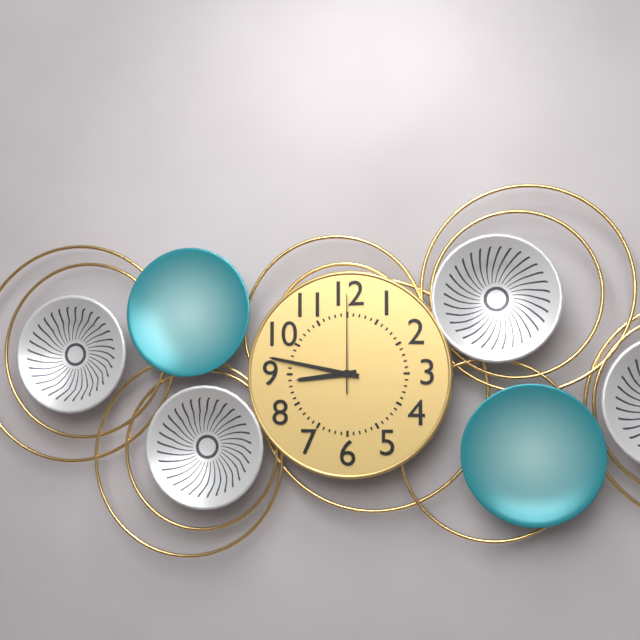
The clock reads h=8 m=47 s=0
